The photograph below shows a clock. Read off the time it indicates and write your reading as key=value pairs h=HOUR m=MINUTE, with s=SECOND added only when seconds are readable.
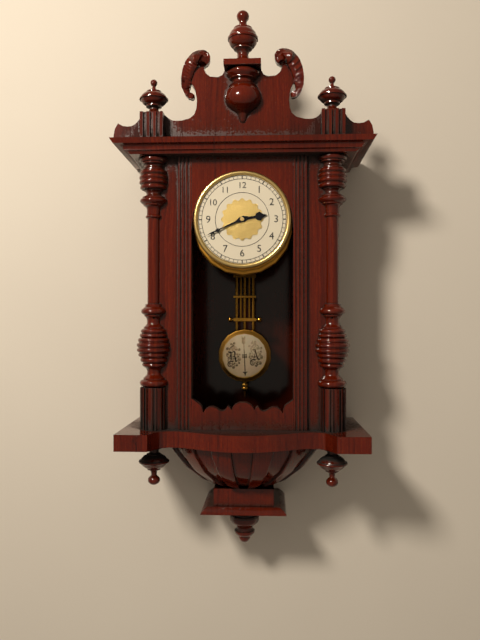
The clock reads h=2 m=41
